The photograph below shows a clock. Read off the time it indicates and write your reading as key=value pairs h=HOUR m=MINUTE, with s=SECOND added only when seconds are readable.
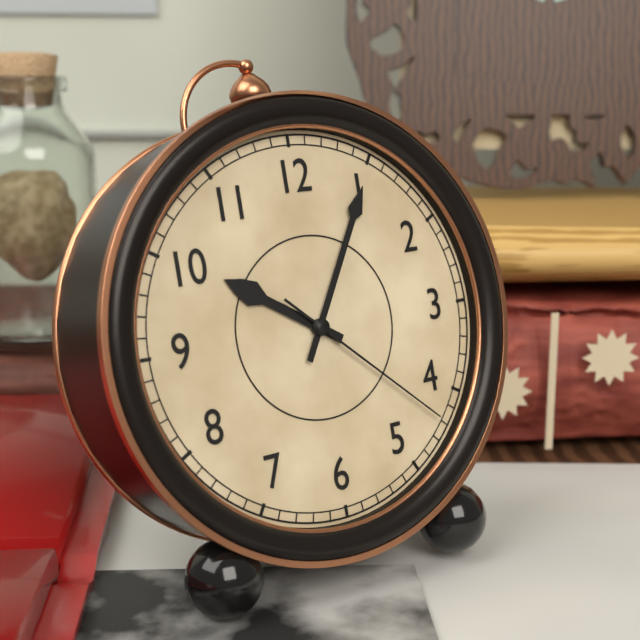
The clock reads h=10 m=5 s=22
